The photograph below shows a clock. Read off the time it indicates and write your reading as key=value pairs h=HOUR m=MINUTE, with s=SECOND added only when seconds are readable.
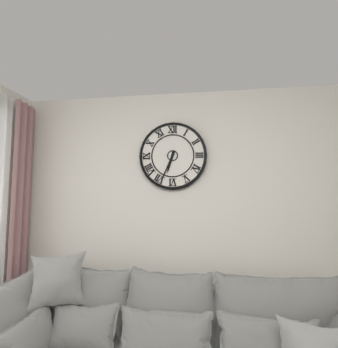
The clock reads h=6 m=34
